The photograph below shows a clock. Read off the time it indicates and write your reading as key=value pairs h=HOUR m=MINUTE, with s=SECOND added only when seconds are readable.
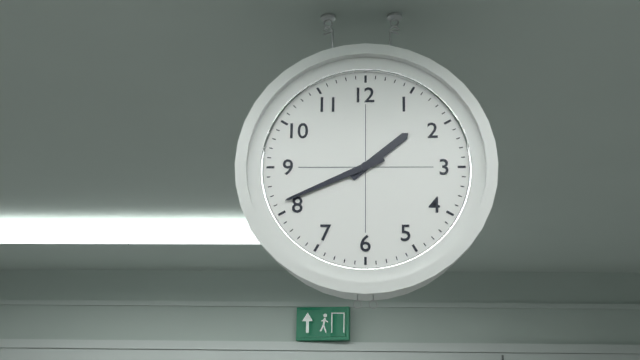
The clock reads h=1 m=41
